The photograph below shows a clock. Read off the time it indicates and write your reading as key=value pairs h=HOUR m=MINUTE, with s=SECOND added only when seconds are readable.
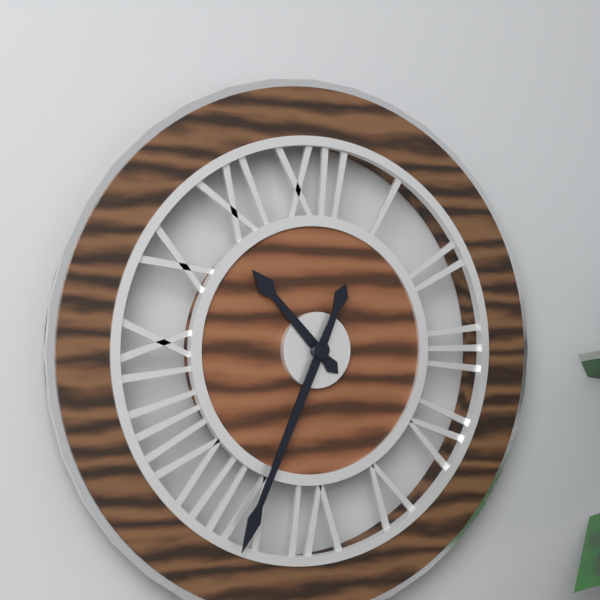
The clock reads h=10 m=34
